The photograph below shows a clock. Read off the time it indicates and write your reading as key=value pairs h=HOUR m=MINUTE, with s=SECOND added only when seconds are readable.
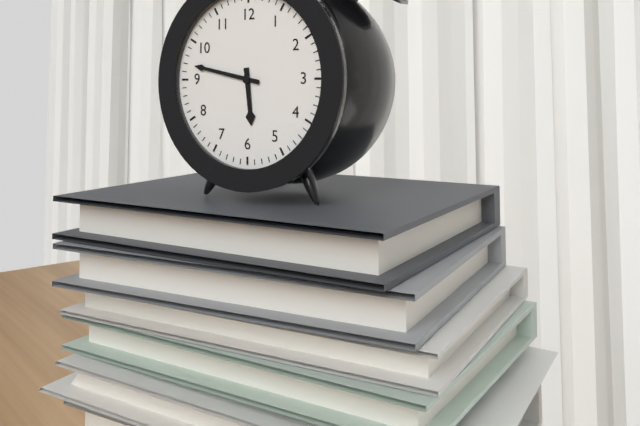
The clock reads h=5 m=47
